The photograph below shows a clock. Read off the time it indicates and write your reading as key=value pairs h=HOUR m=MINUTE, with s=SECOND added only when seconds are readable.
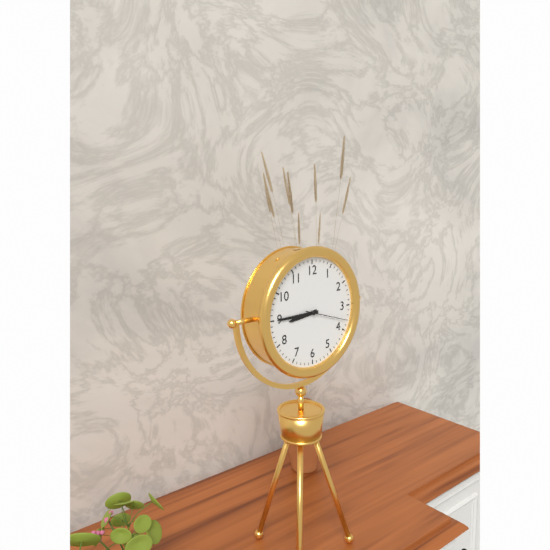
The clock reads h=8 m=45
